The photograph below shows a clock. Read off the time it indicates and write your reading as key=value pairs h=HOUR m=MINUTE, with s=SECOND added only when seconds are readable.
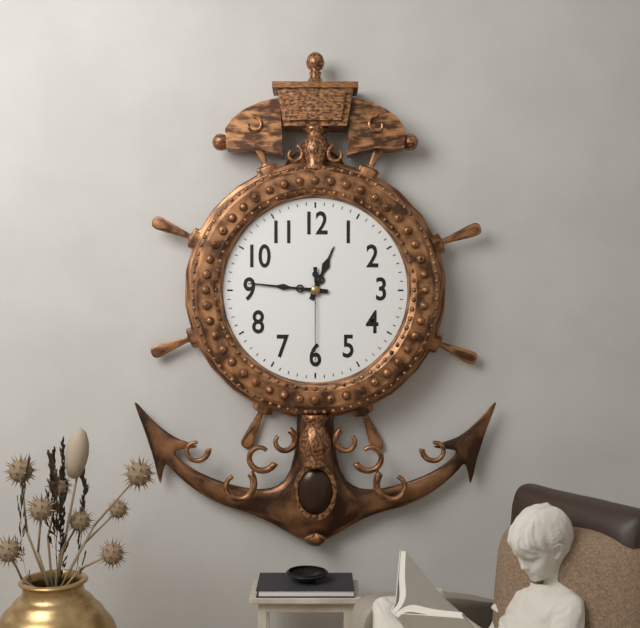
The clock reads h=12 m=46 s=30
